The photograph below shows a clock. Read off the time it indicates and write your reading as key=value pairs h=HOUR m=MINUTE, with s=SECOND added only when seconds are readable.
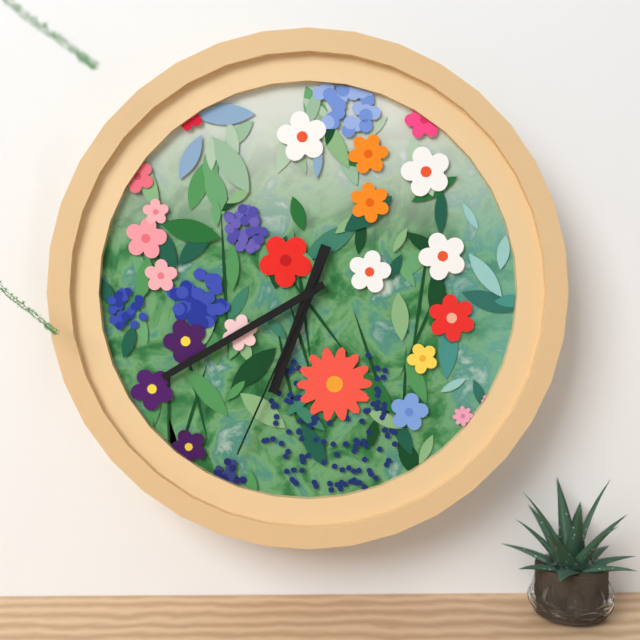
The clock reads h=6 m=40 s=34
